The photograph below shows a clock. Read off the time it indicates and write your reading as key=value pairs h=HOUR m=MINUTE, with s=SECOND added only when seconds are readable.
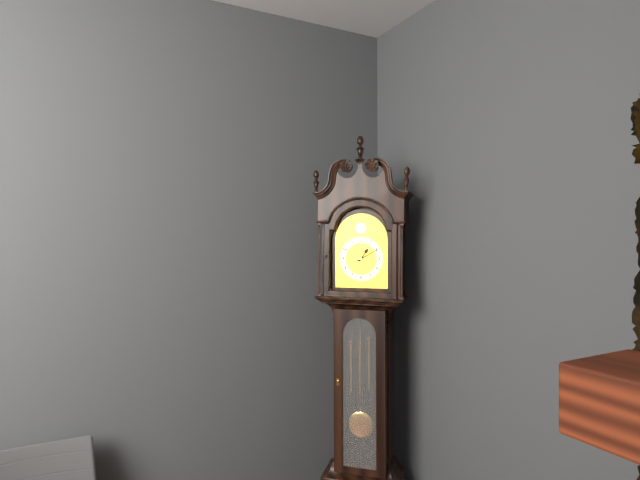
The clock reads h=1 m=10
